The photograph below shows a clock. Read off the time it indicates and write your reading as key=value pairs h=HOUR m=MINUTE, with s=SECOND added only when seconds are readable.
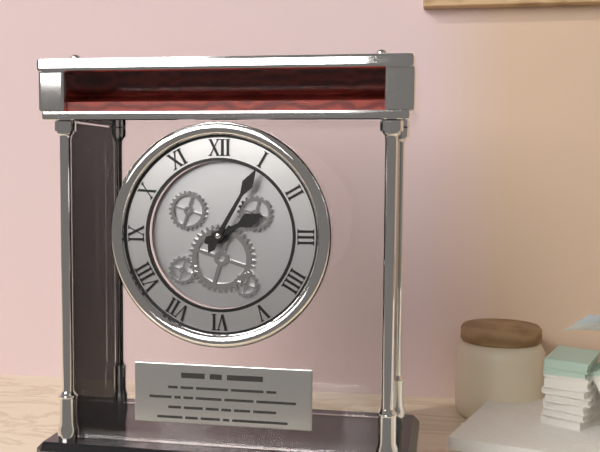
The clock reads h=2 m=5
